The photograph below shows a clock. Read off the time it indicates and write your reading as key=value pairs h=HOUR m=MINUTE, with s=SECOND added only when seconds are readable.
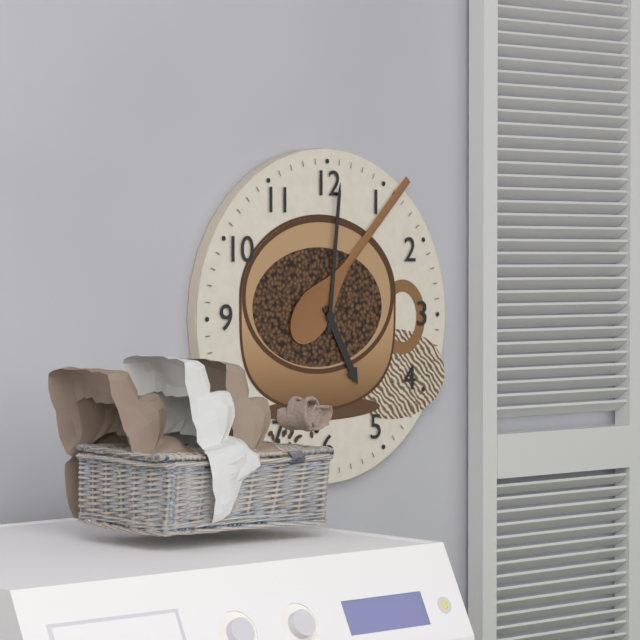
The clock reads h=5 m=1
